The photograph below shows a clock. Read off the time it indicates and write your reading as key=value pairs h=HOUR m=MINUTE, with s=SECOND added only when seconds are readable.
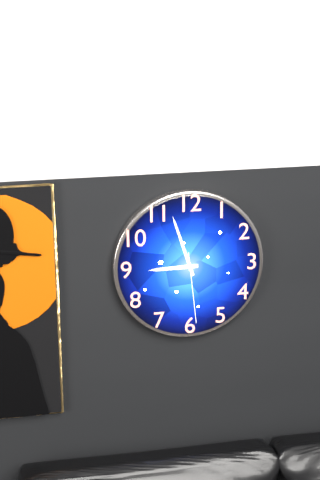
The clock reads h=8 m=57 s=29
